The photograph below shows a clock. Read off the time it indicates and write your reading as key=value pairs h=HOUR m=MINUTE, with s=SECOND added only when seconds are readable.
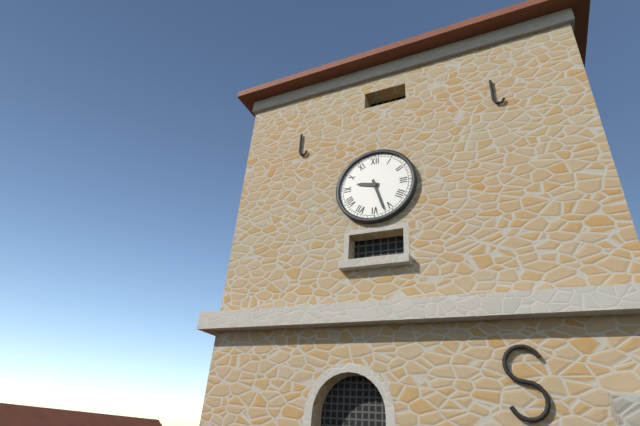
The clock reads h=9 m=27
